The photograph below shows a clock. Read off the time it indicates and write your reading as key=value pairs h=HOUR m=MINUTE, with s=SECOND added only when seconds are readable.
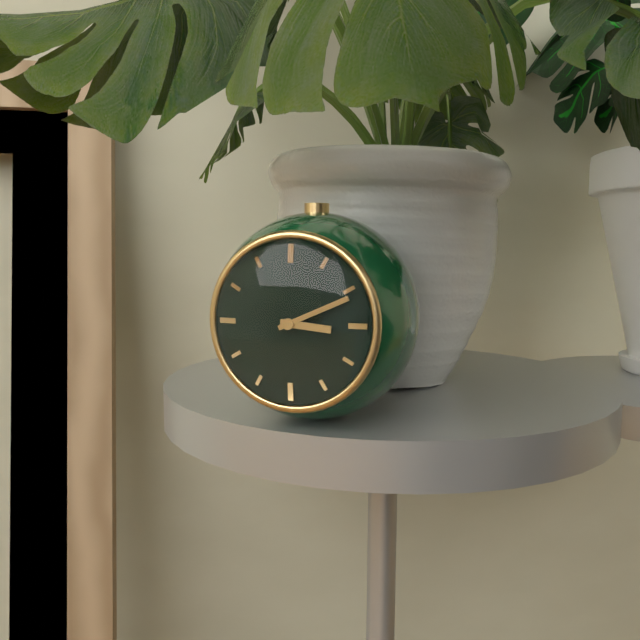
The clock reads h=3 m=11
